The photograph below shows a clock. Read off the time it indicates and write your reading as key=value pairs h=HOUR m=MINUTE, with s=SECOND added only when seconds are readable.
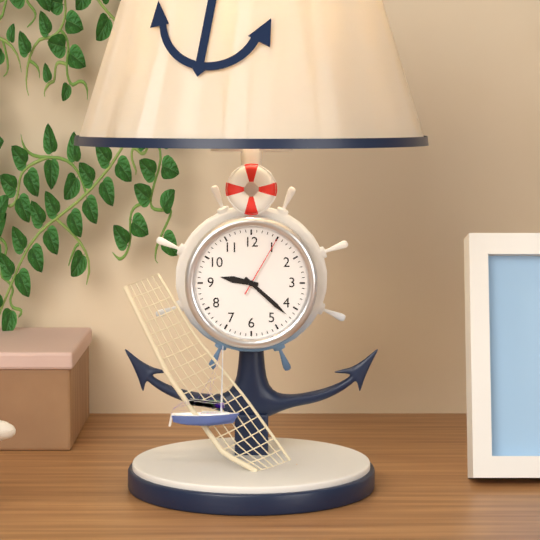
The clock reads h=9 m=22 s=5
